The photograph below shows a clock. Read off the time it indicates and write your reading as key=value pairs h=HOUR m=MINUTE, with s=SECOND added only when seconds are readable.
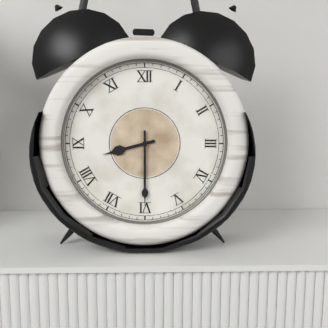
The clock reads h=8 m=30
